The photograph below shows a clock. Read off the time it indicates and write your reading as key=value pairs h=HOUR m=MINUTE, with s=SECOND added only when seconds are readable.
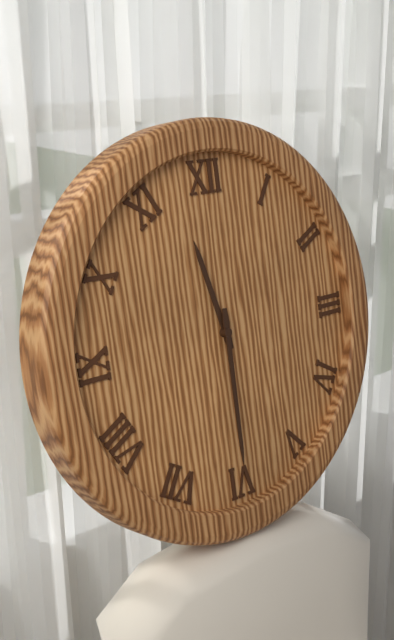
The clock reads h=11 m=30
